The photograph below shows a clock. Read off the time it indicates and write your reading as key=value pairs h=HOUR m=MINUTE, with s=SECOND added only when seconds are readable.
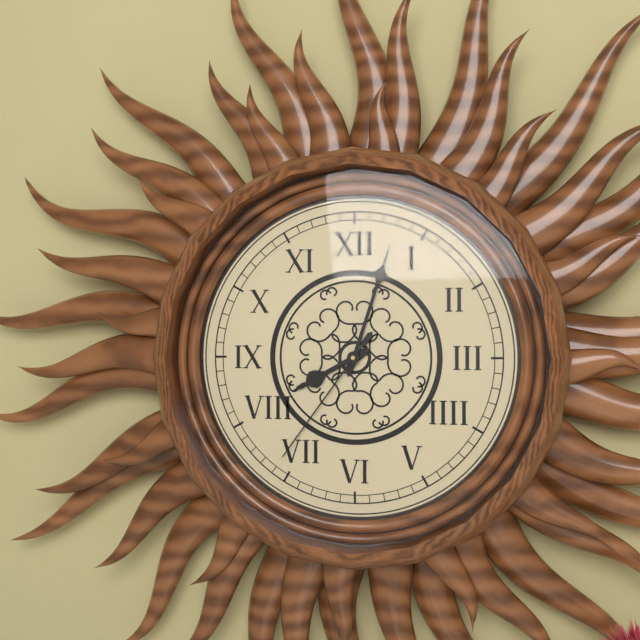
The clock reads h=8 m=3 s=36
